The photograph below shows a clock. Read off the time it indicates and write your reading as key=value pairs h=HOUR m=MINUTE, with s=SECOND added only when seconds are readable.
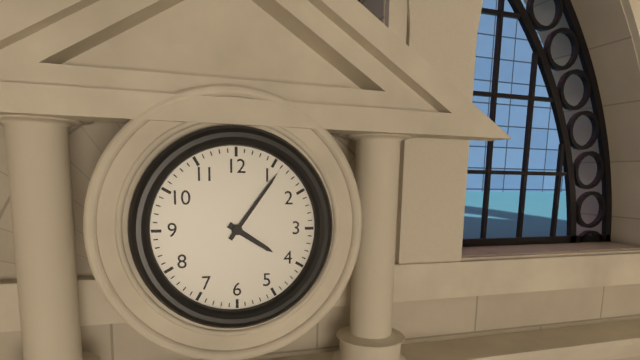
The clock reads h=4 m=6
